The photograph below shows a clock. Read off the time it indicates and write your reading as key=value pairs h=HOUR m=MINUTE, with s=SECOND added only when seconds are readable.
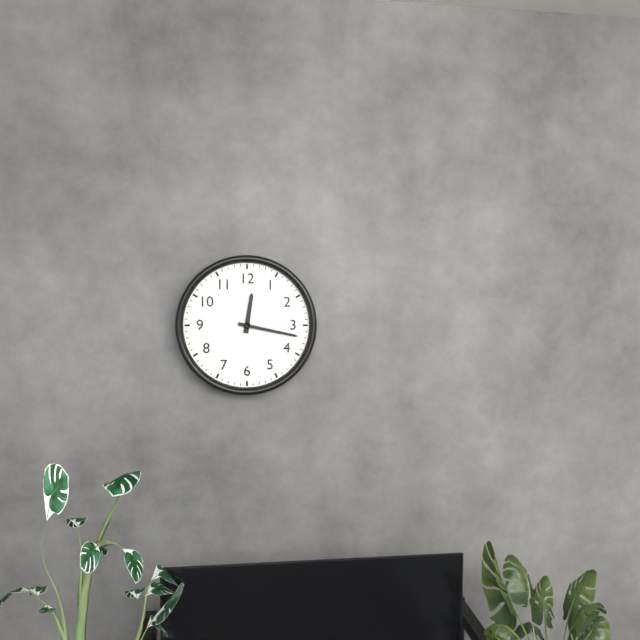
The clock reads h=12 m=17
